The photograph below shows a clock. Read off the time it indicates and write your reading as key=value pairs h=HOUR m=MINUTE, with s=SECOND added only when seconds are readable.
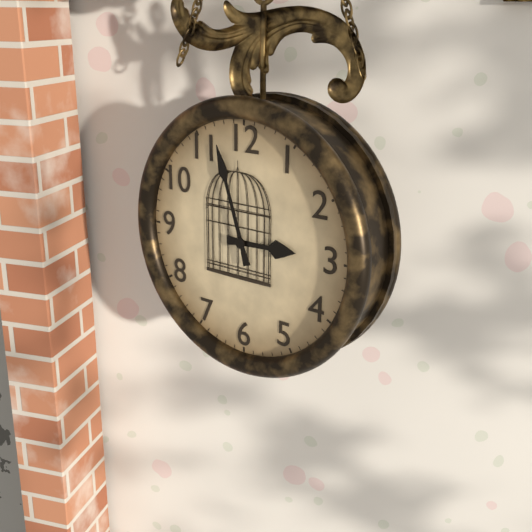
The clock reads h=2 m=57
